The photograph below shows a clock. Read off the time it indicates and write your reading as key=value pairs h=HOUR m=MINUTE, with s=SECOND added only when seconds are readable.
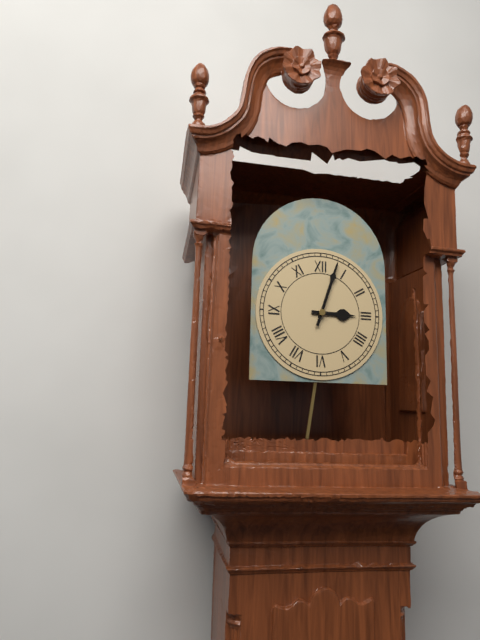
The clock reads h=3 m=3
